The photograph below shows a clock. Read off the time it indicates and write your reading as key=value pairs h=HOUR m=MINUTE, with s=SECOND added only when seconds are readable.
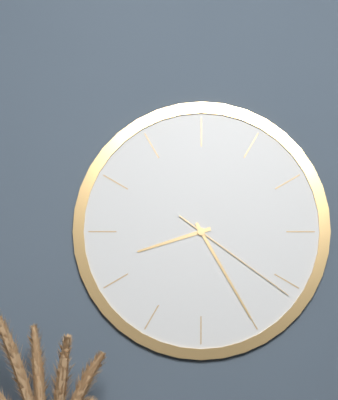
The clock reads h=8 m=25 s=21
